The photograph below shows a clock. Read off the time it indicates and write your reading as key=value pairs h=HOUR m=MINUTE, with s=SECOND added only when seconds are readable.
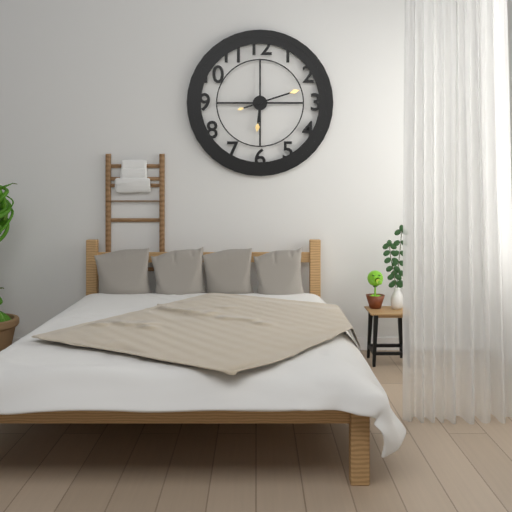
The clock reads h=6 m=12
